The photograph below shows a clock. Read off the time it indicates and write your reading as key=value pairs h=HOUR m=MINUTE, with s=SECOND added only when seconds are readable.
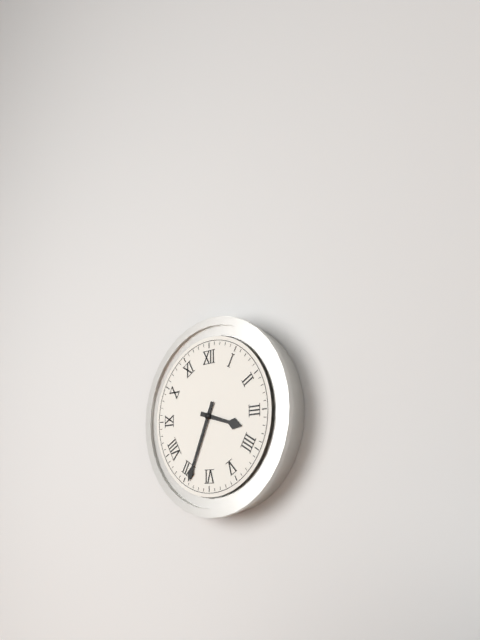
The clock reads h=3 m=34
